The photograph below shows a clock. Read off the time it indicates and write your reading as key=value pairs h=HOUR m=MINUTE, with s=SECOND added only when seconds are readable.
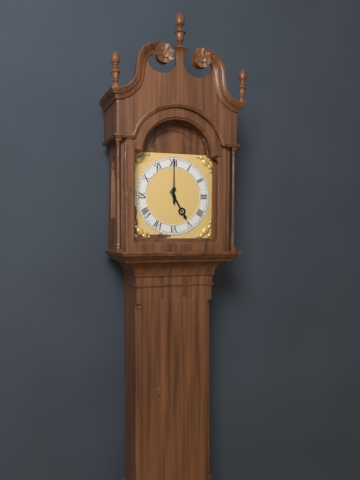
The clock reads h=5 m=0
